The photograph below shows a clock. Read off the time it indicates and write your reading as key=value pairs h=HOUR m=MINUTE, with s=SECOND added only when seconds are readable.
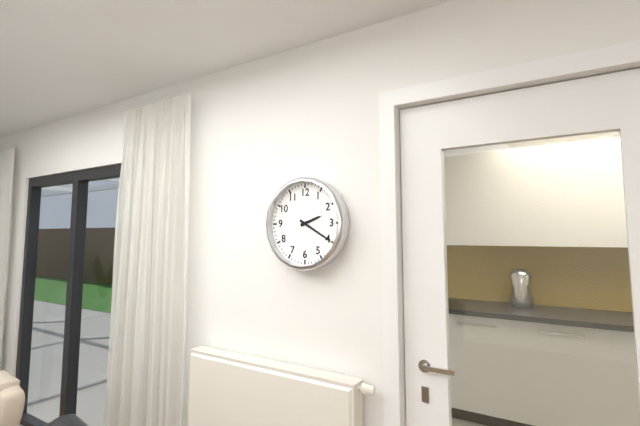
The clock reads h=2 m=20
